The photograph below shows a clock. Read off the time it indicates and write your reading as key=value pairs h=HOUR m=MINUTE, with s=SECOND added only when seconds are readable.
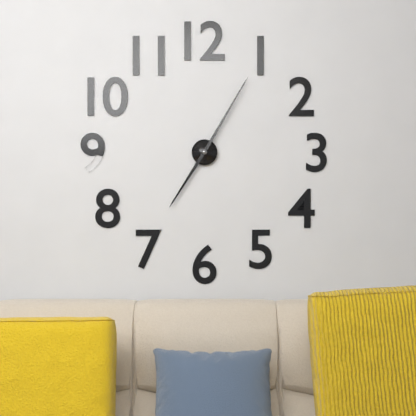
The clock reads h=7 m=5
